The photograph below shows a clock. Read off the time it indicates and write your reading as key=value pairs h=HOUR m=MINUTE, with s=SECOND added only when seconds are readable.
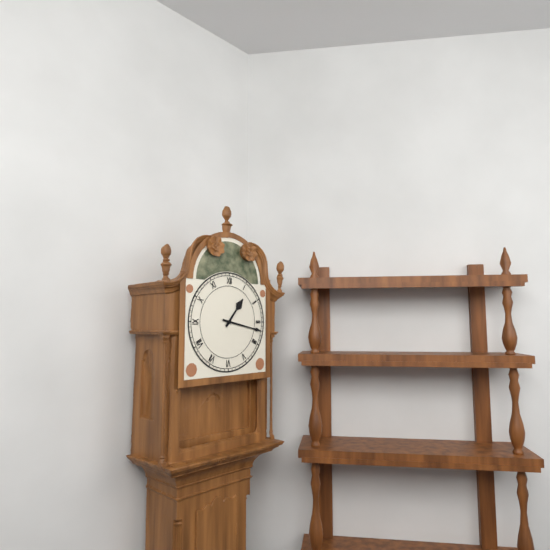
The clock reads h=1 m=17
